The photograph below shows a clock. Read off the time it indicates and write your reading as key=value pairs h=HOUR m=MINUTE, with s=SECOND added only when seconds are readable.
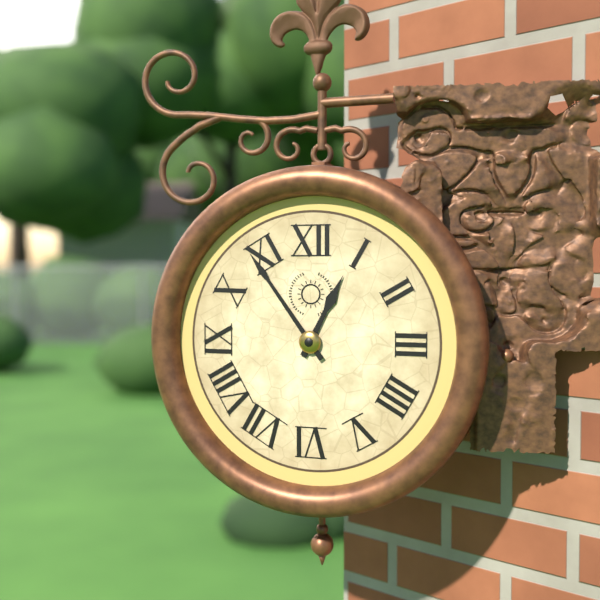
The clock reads h=12 m=54
